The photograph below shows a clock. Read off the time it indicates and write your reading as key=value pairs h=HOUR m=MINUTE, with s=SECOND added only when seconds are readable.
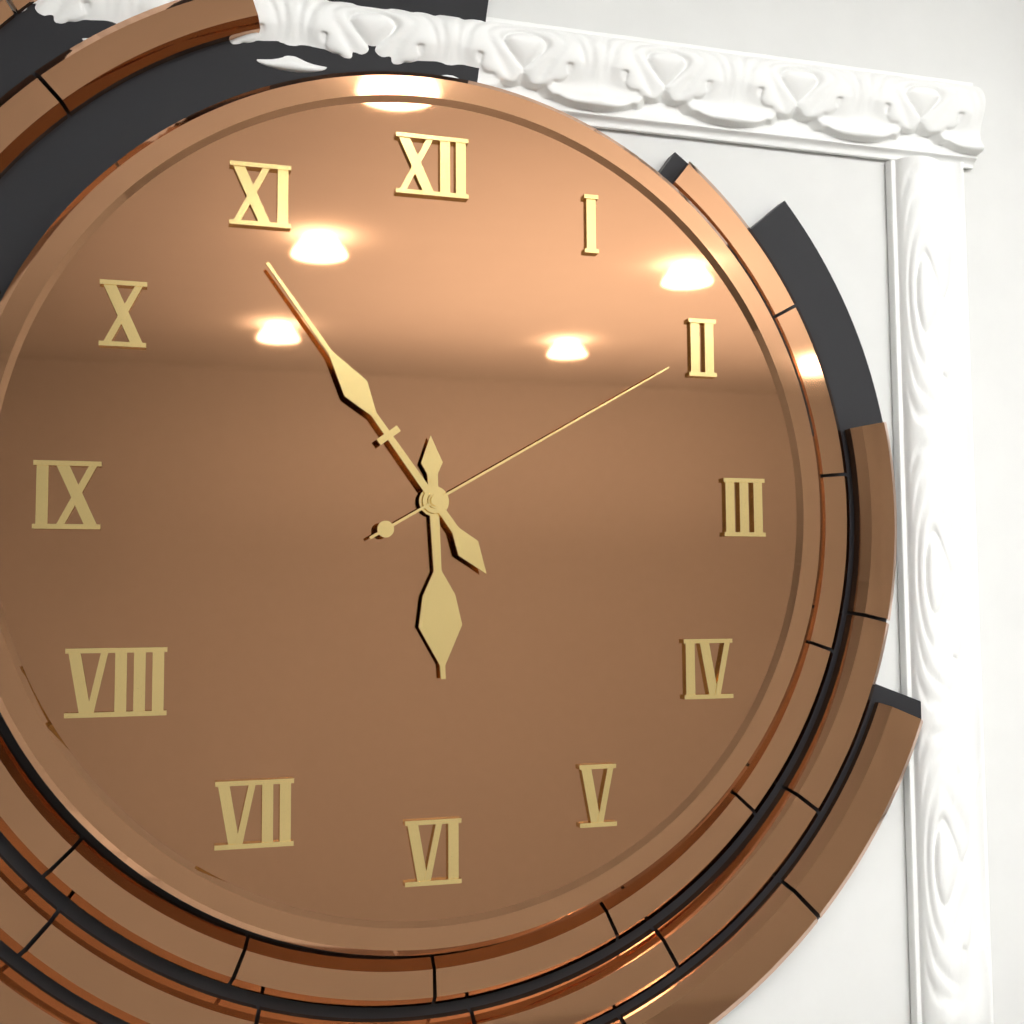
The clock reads h=5 m=54 s=10
